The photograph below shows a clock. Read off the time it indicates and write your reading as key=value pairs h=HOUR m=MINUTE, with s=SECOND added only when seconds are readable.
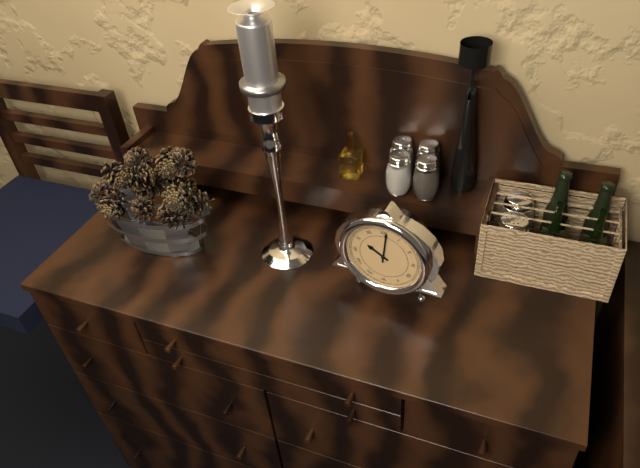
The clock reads h=10 m=1
